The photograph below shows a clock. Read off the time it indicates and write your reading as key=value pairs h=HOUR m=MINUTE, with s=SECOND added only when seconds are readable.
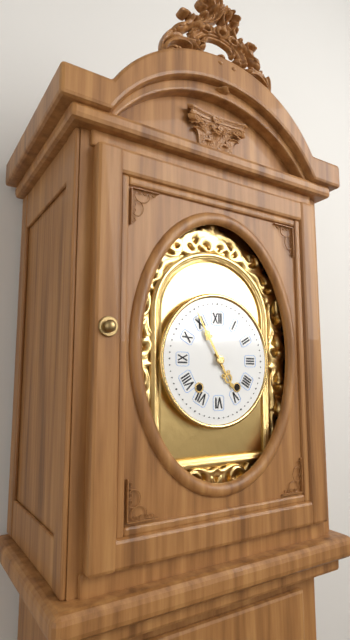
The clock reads h=4 m=55
